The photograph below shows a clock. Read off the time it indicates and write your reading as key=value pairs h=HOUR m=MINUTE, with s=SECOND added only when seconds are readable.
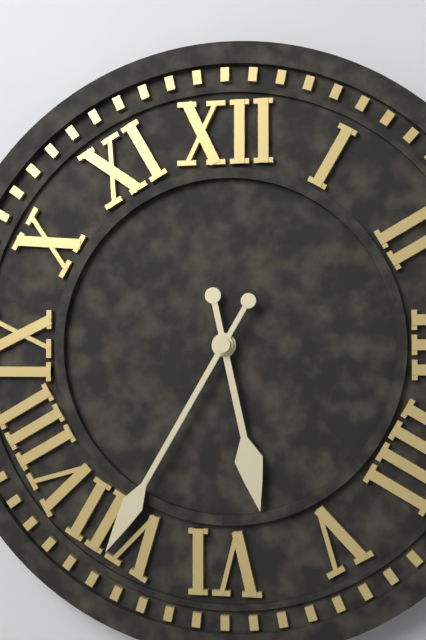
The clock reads h=5 m=35
